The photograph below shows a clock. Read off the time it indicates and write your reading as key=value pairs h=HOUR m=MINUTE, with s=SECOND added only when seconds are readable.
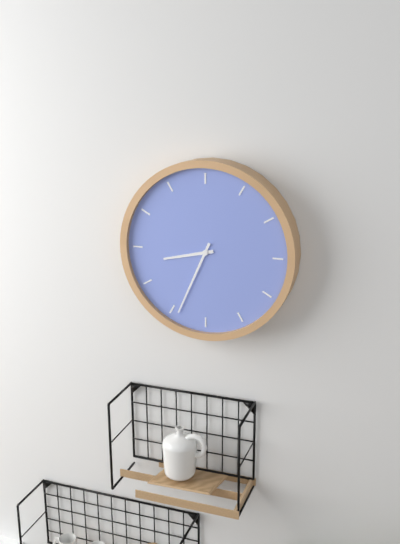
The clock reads h=8 m=34
